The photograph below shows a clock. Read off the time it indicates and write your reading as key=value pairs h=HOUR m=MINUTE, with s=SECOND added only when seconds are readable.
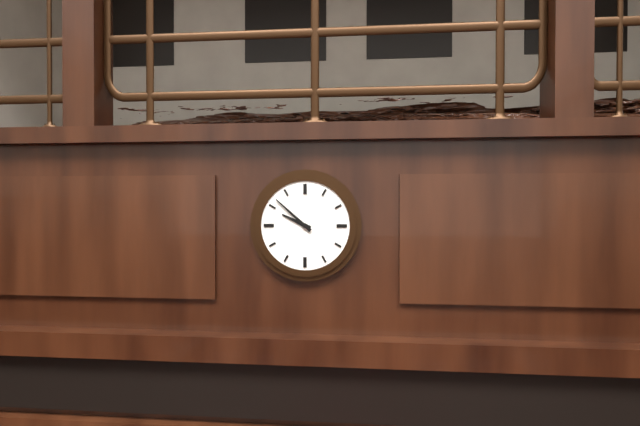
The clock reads h=9 m=52
